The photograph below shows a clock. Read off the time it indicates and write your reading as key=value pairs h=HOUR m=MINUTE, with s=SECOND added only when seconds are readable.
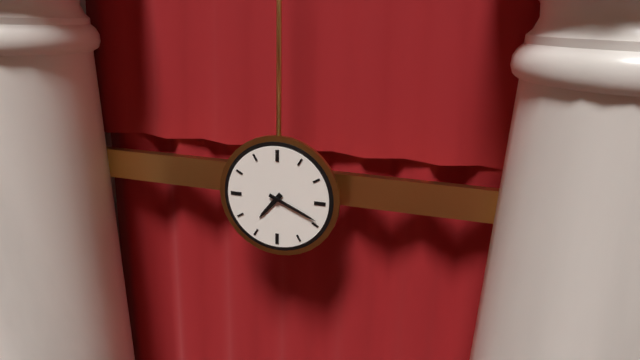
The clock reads h=7 m=19
